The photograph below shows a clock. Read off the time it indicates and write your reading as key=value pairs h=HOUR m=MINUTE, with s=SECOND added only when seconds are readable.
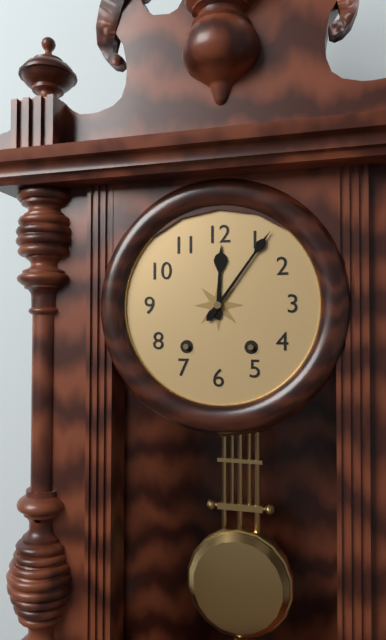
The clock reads h=12 m=6
